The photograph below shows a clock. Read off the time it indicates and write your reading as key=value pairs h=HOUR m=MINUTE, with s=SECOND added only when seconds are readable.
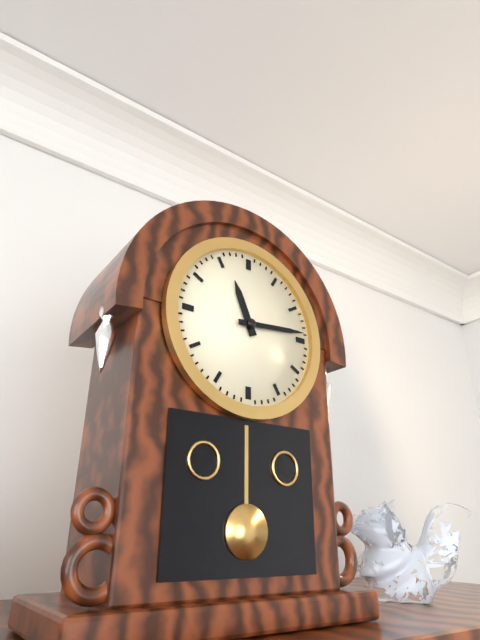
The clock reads h=11 m=14
